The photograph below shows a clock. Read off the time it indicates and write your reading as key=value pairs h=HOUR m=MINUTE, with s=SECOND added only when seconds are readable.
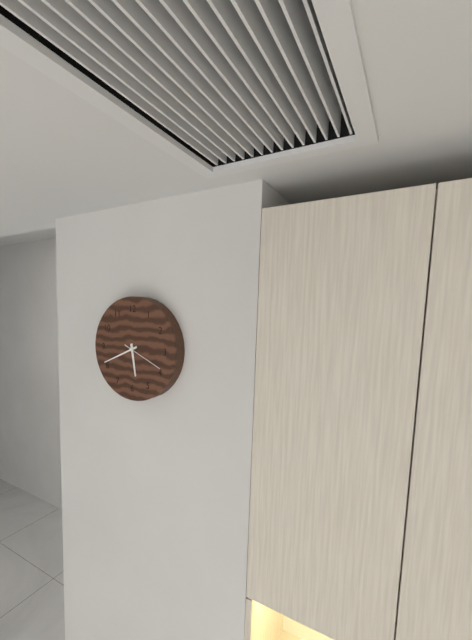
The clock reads h=5 m=41
